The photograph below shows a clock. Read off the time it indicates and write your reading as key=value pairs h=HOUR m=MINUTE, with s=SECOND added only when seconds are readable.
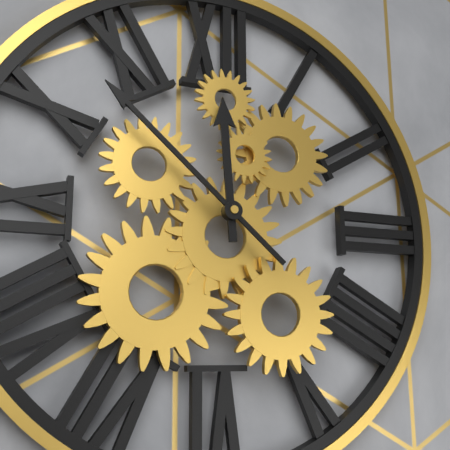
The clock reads h=11 m=52
